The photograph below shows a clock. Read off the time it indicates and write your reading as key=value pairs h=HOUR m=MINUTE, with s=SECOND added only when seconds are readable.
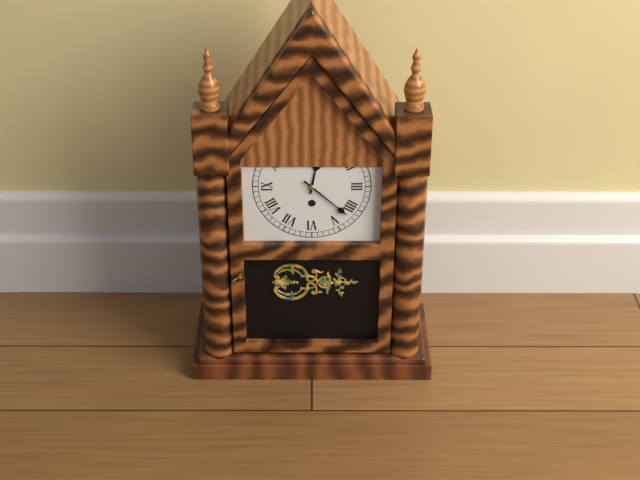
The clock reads h=12 m=22
